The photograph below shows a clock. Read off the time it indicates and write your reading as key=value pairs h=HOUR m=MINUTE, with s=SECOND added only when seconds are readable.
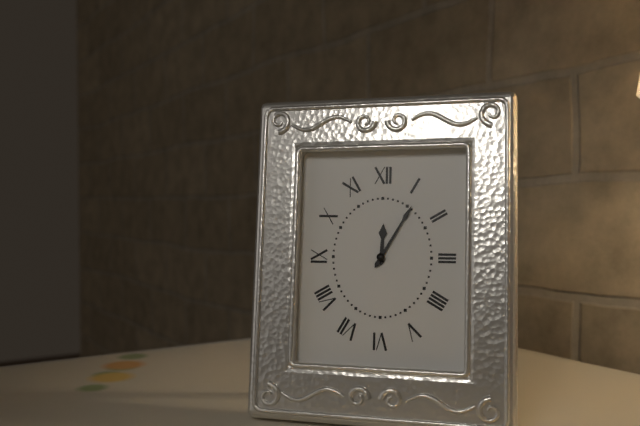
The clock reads h=12 m=5
